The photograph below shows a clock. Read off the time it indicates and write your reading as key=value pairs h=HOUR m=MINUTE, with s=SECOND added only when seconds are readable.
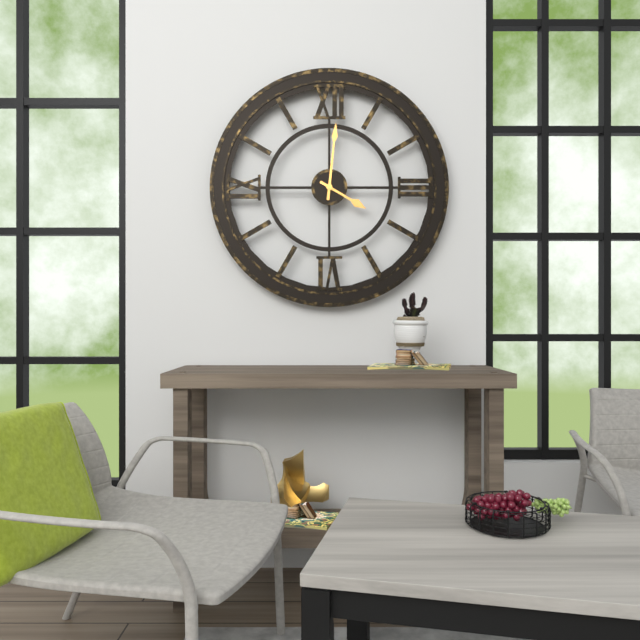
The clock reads h=4 m=1
